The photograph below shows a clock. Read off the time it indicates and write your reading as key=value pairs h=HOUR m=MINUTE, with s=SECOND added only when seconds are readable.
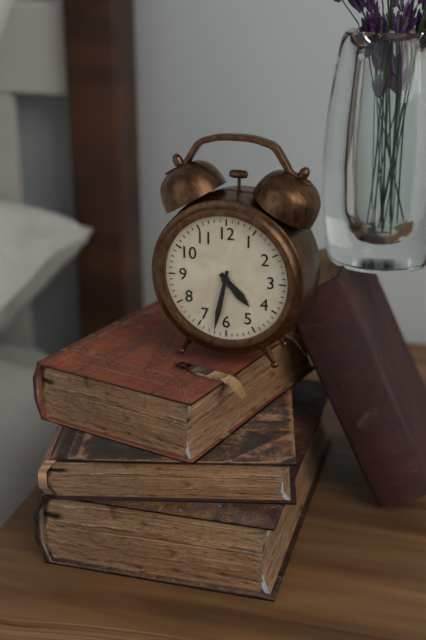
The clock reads h=4 m=32
